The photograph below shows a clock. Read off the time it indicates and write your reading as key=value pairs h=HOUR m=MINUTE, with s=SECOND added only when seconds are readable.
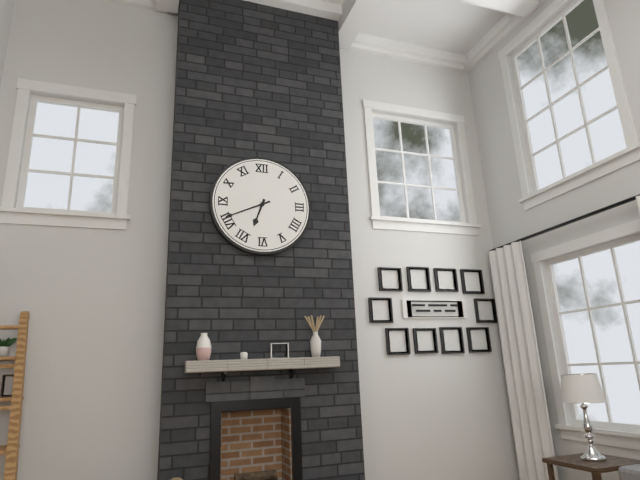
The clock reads h=6 m=41
